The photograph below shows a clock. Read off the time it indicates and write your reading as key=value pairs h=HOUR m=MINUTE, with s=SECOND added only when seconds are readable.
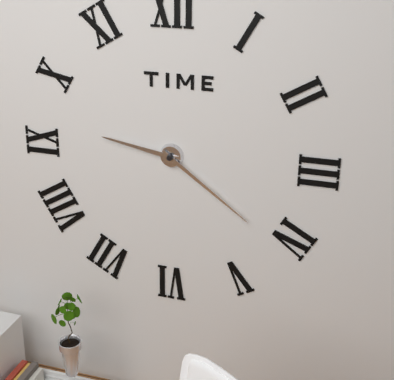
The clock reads h=9 m=21
